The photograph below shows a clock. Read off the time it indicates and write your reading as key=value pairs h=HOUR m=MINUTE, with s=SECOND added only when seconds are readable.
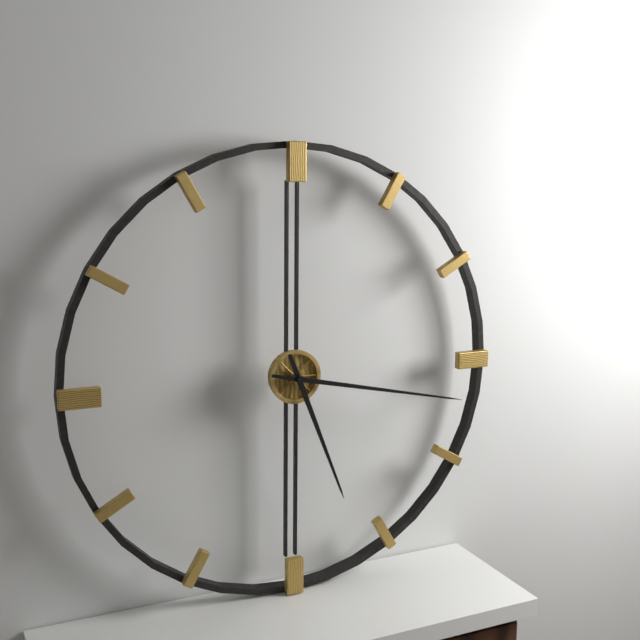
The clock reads h=5 m=17
